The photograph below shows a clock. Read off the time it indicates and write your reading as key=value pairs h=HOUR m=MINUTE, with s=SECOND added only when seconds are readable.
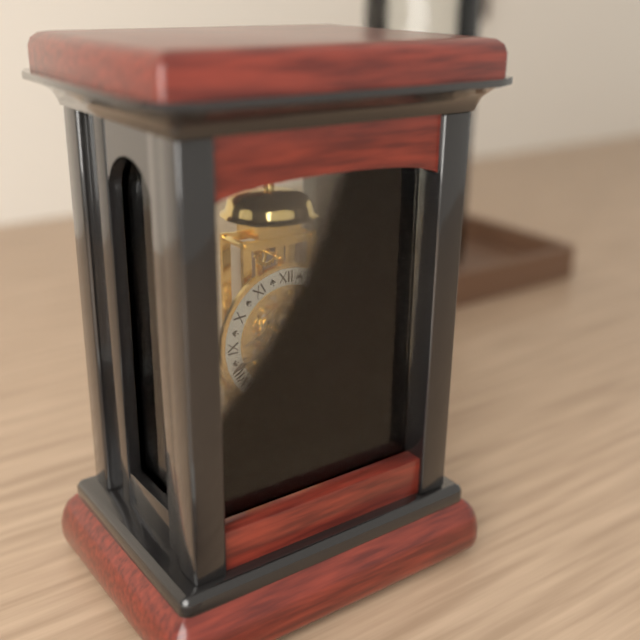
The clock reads h=4 m=42
